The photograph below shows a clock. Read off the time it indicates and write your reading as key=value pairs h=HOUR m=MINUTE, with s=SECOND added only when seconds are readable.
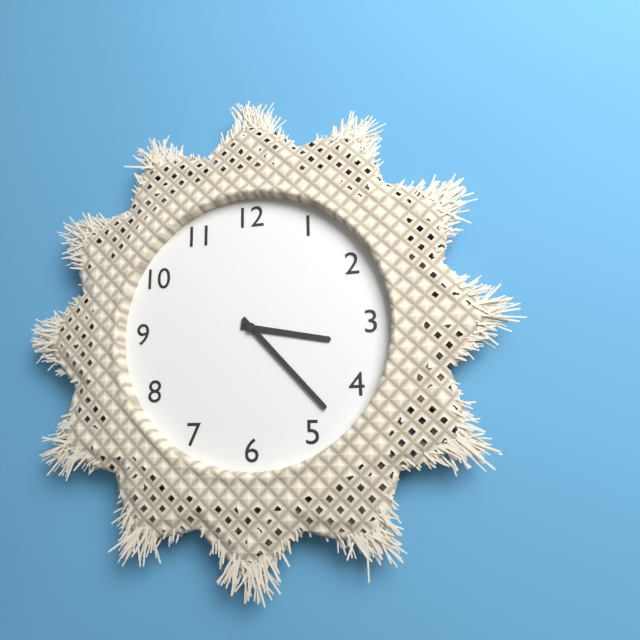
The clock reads h=3 m=23
